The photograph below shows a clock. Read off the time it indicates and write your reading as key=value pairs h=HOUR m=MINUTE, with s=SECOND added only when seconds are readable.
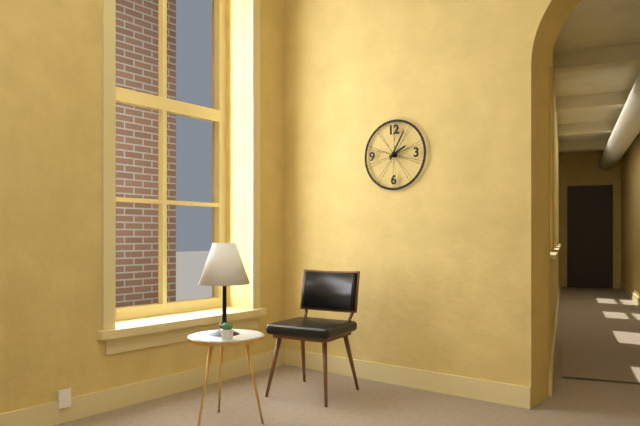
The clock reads h=2 m=5
